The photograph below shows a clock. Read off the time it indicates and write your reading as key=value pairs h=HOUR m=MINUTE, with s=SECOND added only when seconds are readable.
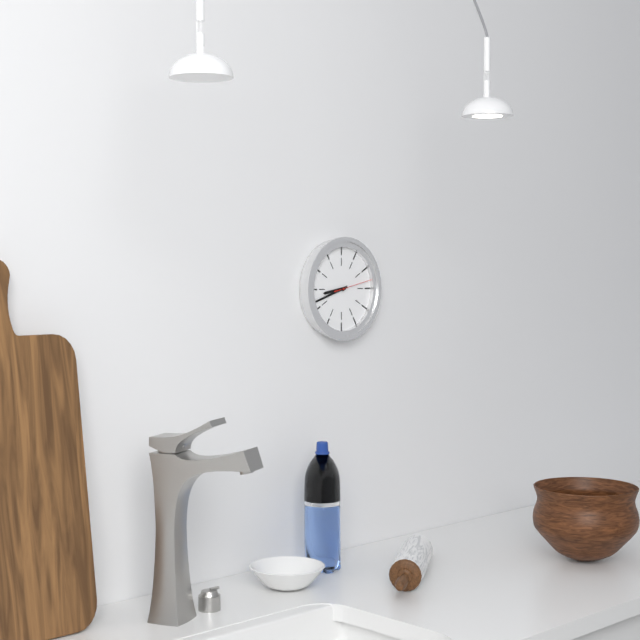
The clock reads h=8 m=42
